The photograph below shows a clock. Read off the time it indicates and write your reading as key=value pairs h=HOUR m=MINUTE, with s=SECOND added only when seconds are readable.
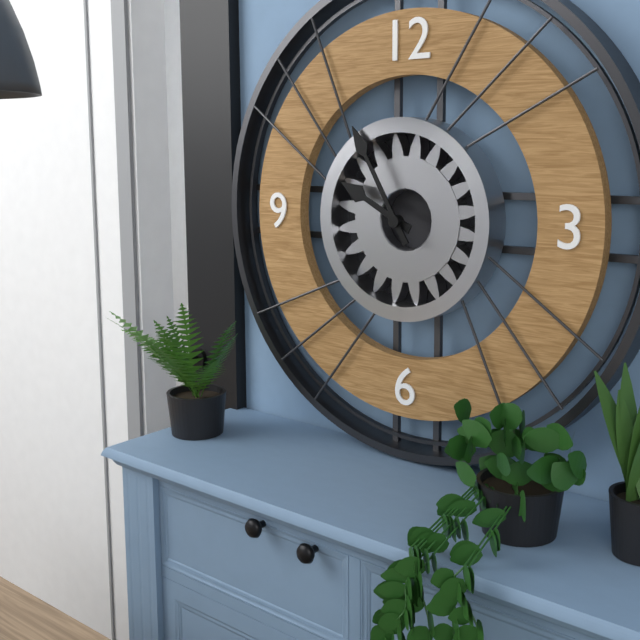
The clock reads h=9 m=55
